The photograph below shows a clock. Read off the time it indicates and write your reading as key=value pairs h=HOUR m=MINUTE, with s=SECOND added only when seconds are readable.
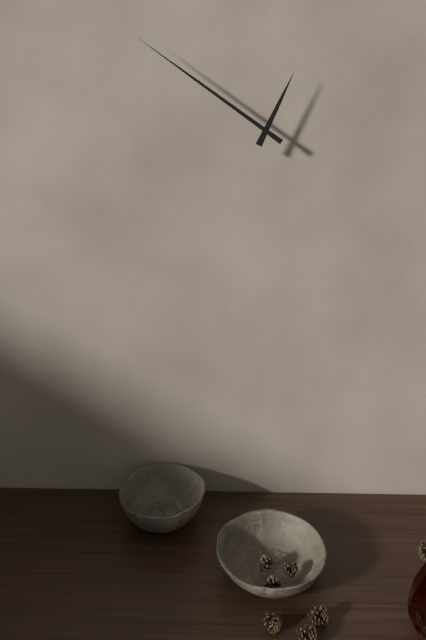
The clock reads h=12 m=51
